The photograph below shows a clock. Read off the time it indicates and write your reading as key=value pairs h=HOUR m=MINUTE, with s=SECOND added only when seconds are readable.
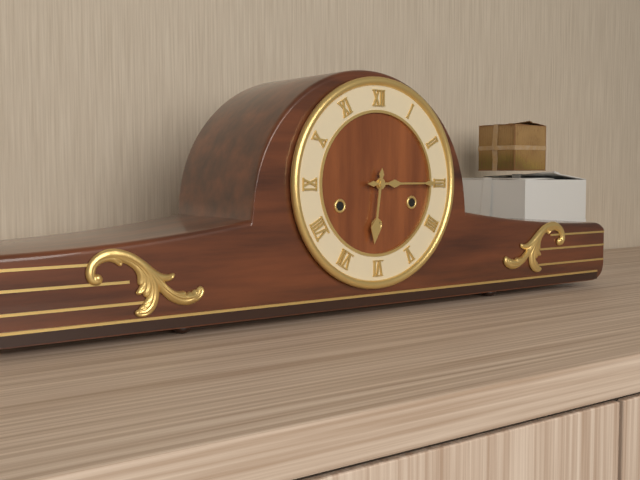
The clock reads h=6 m=15
